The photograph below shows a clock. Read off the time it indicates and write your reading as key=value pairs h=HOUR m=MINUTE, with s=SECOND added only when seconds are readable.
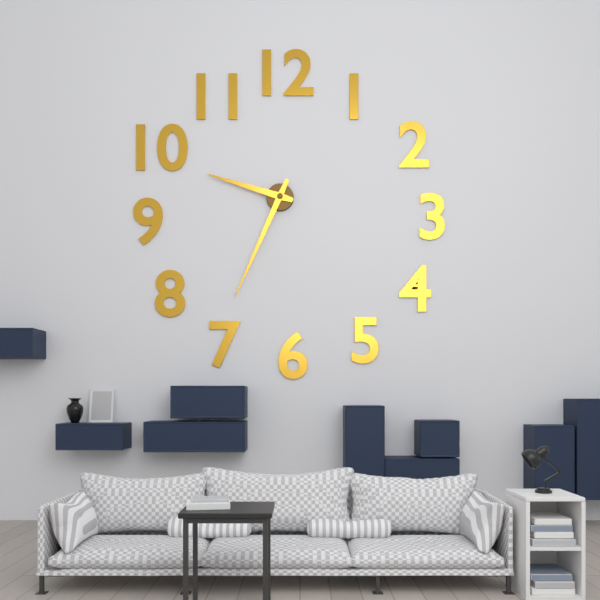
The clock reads h=9 m=34
